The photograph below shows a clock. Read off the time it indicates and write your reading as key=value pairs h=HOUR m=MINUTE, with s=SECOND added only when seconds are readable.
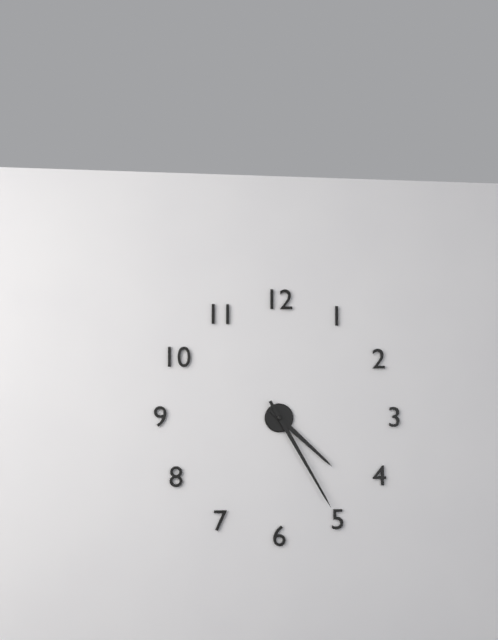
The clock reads h=4 m=25
